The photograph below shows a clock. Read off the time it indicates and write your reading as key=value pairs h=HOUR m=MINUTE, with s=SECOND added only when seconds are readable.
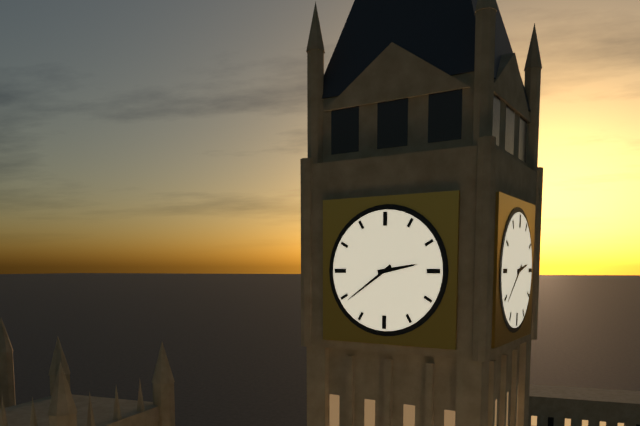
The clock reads h=2 m=39
